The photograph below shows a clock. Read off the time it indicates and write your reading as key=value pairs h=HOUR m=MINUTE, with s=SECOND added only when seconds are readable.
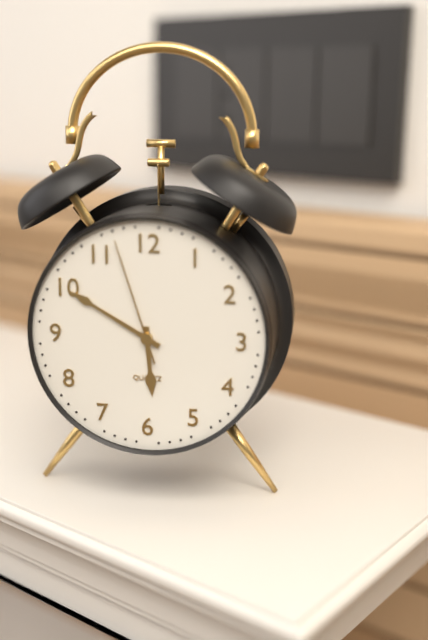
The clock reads h=5 m=50 s=57
